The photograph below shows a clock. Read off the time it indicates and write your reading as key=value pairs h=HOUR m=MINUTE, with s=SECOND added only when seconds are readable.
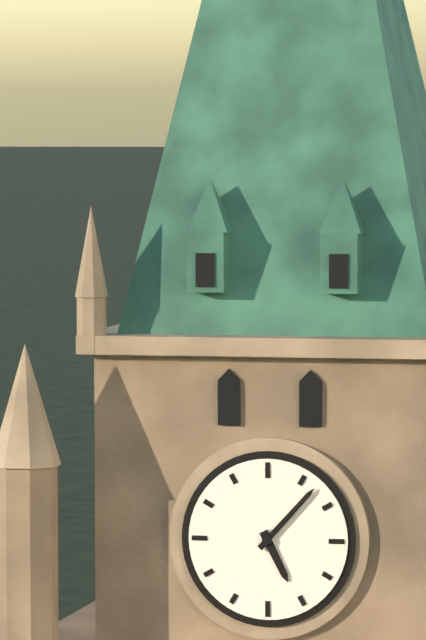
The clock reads h=5 m=7
